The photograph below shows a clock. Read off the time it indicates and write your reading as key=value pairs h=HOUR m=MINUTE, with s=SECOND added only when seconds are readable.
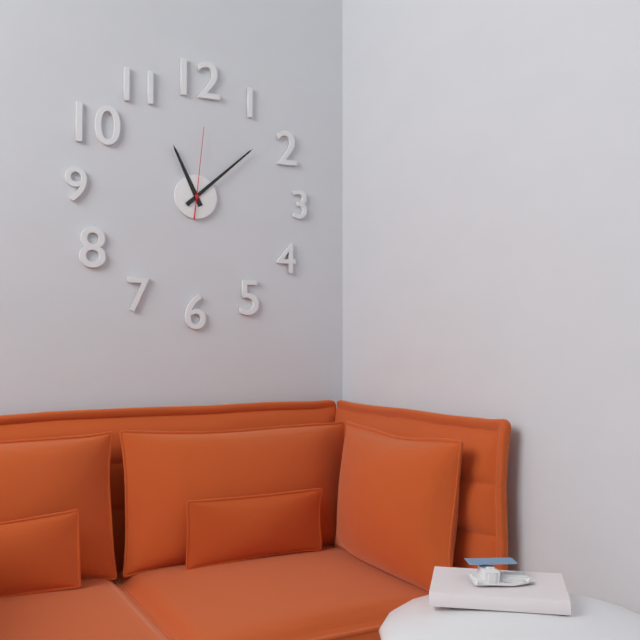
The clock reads h=11 m=8 s=1
